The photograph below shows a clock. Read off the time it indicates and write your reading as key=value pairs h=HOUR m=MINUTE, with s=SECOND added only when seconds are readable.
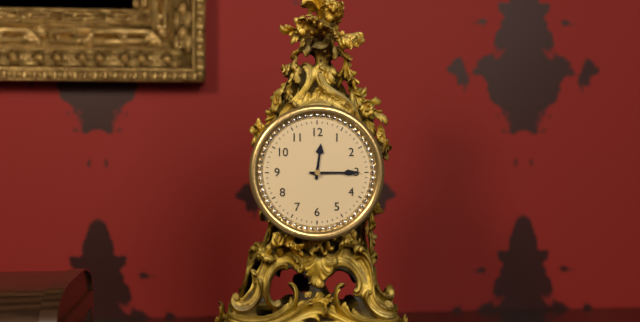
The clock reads h=12 m=15
